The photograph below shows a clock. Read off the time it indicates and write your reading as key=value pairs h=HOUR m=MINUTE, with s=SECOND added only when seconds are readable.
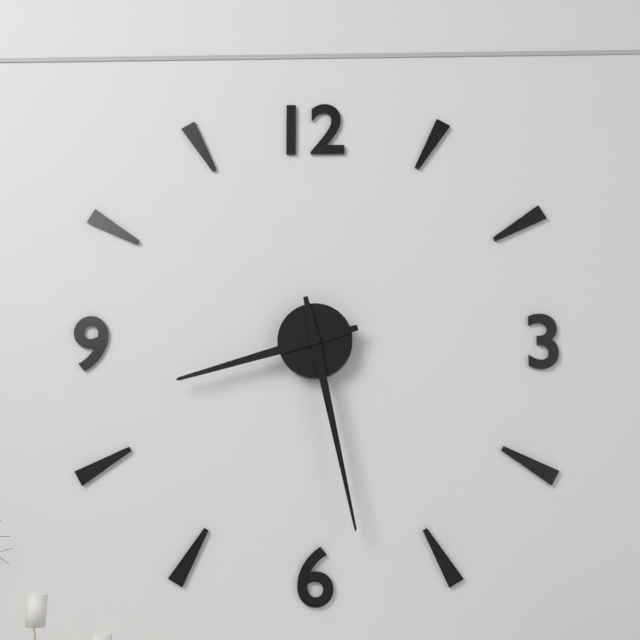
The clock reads h=8 m=28
